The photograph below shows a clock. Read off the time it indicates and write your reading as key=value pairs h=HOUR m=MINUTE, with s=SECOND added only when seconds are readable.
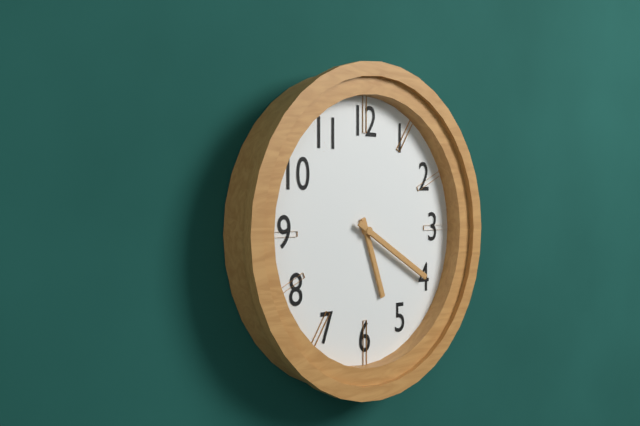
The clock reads h=5 m=20
